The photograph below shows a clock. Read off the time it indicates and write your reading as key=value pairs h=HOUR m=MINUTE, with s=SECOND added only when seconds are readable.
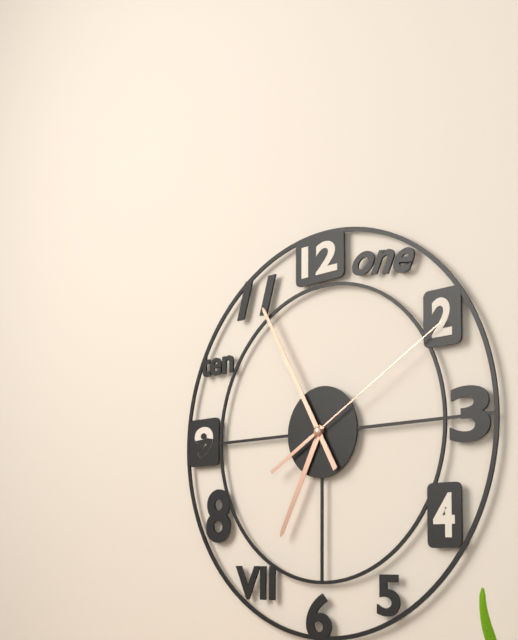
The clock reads h=6 m=55 s=10
